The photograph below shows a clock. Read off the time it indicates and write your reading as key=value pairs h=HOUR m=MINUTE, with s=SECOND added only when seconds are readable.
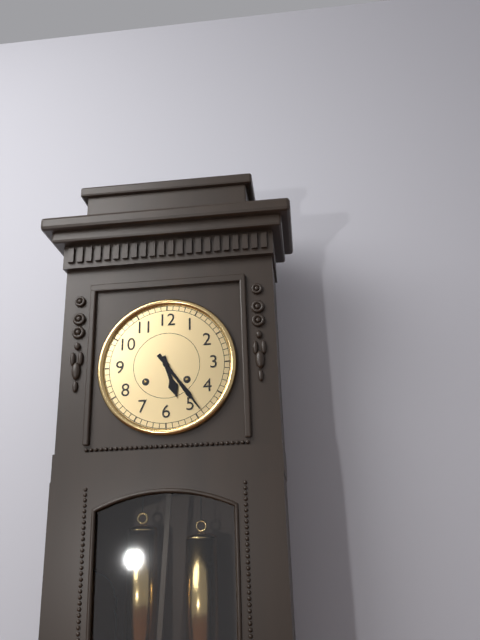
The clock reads h=5 m=24
